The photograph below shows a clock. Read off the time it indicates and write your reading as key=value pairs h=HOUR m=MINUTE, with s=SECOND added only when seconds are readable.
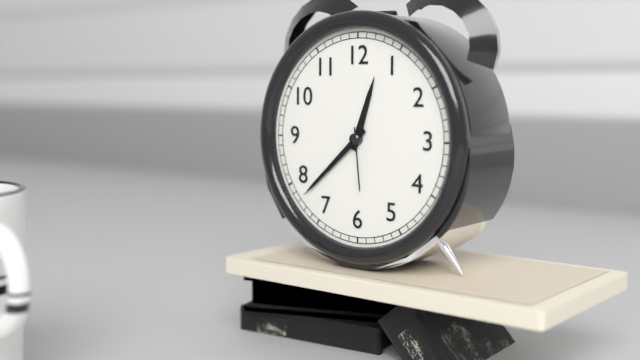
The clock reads h=12 m=38 s=29
